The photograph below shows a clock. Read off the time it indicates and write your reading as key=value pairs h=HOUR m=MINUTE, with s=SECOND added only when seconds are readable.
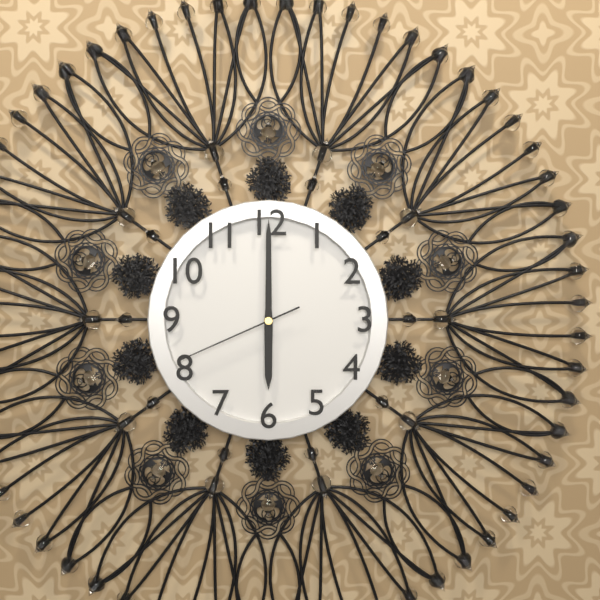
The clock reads h=6 m=0 s=41
